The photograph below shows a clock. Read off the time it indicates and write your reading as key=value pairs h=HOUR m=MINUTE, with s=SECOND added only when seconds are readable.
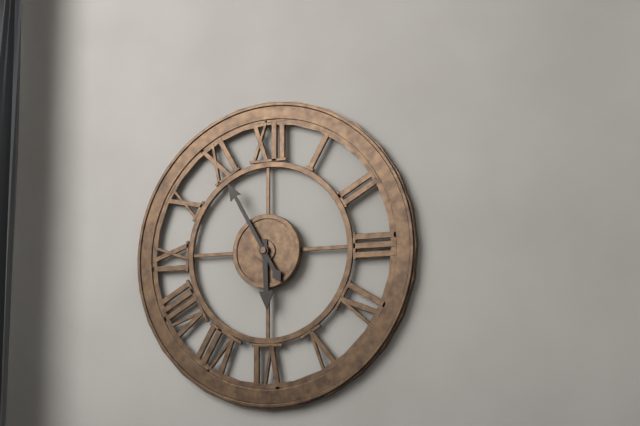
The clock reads h=5 m=55
